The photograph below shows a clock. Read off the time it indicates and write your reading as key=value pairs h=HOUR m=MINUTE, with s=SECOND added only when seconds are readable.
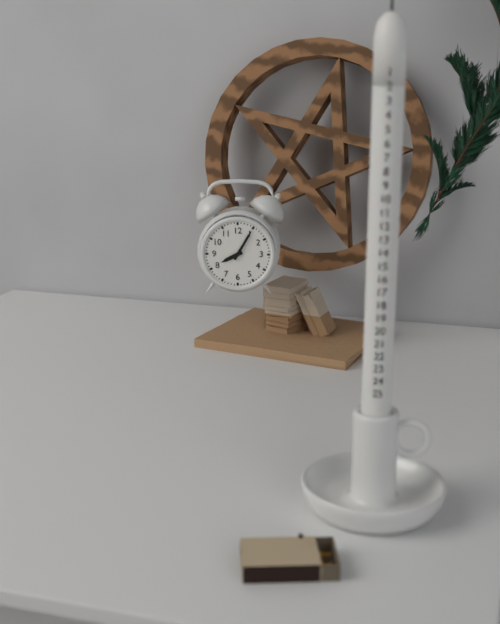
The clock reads h=8 m=5
